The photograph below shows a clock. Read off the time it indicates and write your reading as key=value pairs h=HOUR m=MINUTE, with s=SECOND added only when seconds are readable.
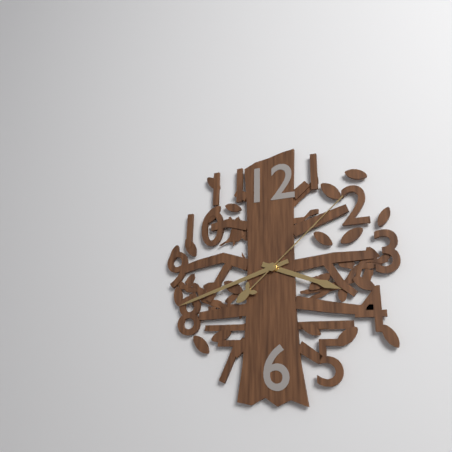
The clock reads h=3 m=42 s=8
